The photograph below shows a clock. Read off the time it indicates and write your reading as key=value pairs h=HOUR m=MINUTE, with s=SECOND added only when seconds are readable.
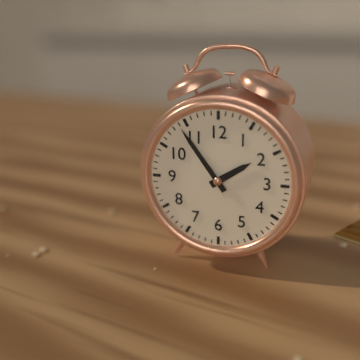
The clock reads h=1 m=54
